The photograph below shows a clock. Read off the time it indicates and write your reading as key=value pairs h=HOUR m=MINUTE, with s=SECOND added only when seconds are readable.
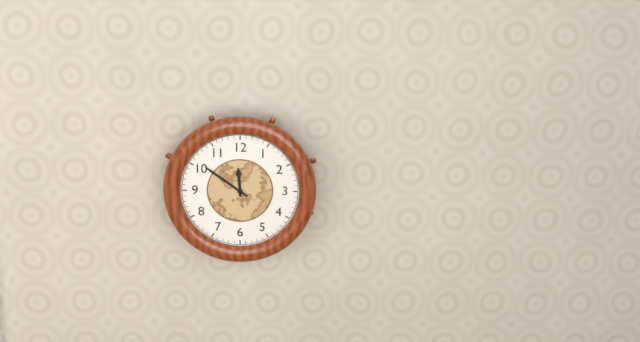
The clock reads h=11 m=51
